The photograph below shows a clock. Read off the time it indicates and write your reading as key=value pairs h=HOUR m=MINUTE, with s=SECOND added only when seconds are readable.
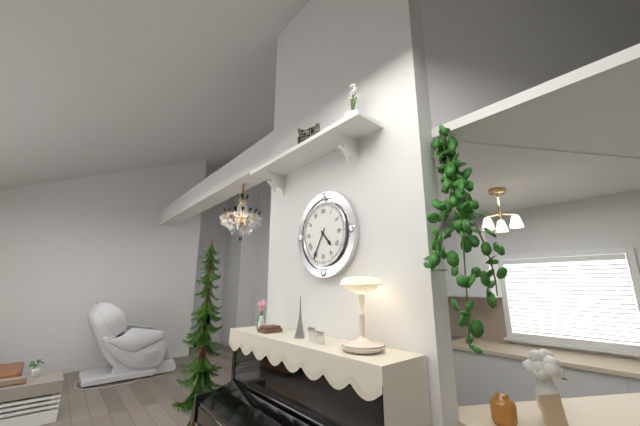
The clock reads h=4 m=35
